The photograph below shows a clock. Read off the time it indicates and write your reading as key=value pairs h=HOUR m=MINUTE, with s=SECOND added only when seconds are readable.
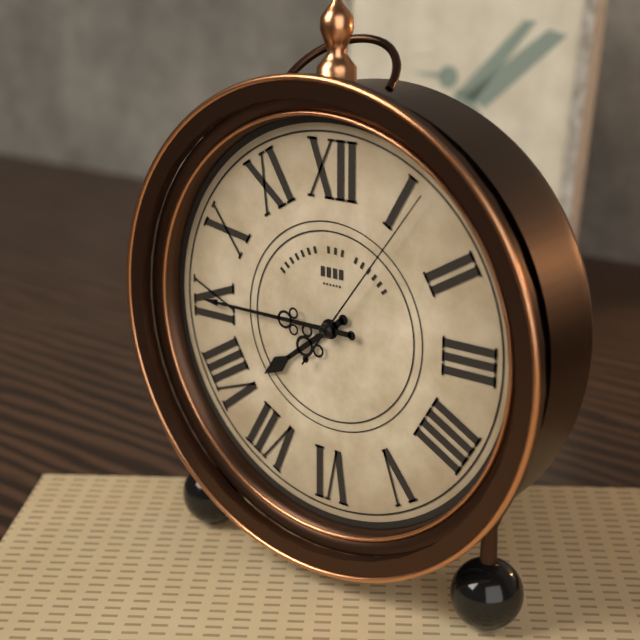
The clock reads h=7 m=45 s=6
